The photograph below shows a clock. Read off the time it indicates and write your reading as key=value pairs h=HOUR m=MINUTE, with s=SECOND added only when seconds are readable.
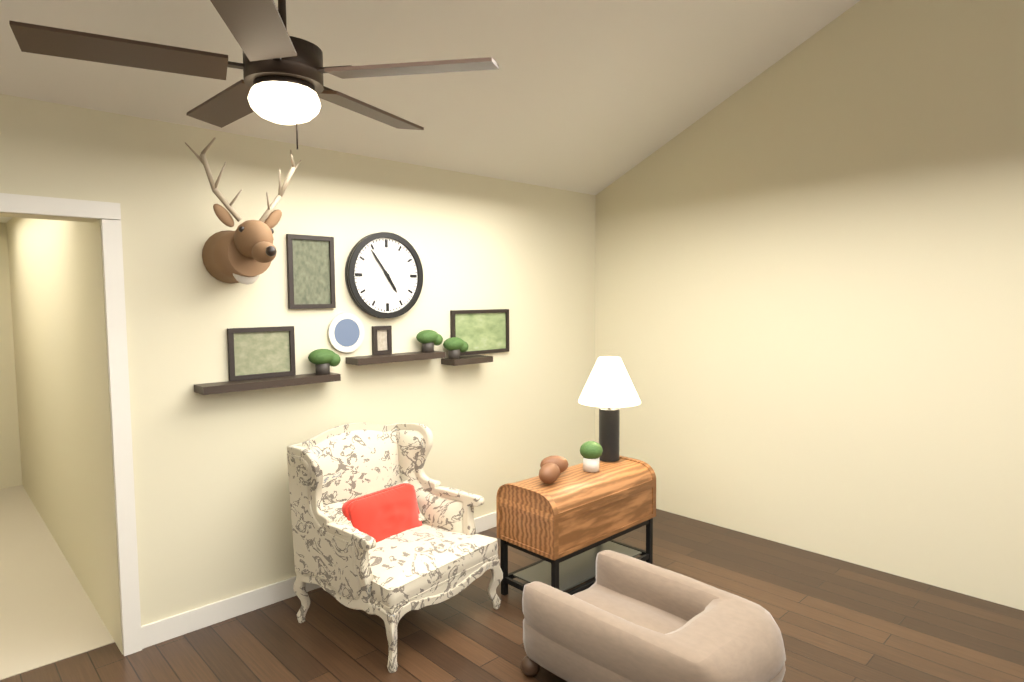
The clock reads h=4 m=54
